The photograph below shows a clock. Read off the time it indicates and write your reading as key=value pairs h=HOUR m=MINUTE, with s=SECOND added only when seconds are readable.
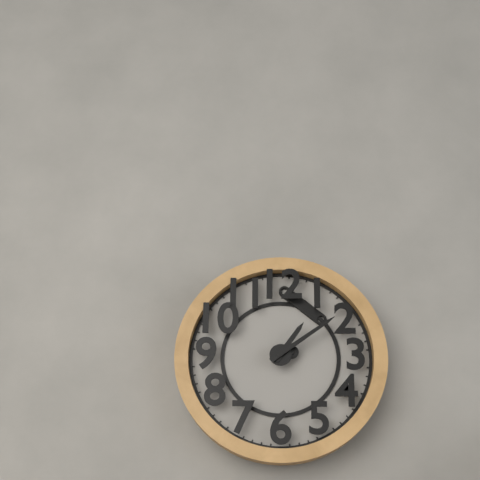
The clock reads h=1 m=9
